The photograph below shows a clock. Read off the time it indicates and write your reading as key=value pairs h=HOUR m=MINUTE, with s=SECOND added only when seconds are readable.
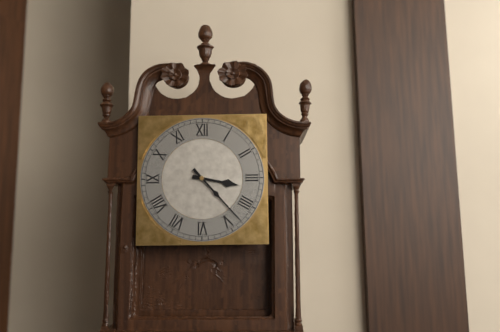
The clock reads h=3 m=23
